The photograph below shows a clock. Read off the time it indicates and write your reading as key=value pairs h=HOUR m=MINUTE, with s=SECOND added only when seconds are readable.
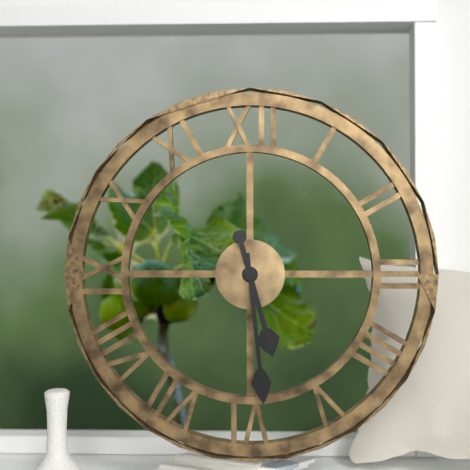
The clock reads h=5 m=29
